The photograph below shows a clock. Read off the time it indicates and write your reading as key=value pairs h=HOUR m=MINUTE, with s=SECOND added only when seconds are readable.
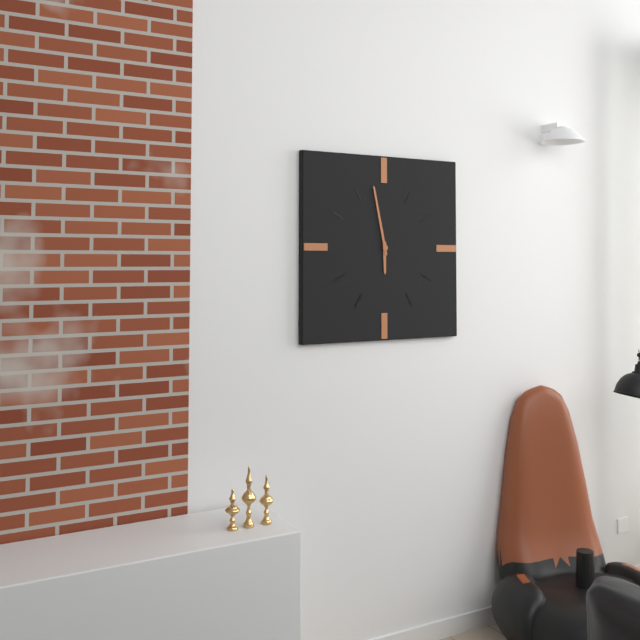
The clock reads h=5 m=58
